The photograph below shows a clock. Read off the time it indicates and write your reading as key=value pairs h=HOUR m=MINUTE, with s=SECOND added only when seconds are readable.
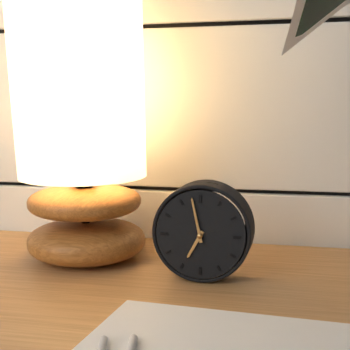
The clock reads h=6 m=58
